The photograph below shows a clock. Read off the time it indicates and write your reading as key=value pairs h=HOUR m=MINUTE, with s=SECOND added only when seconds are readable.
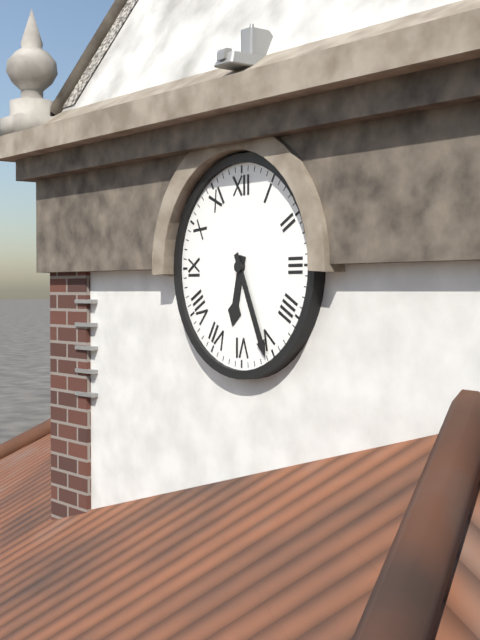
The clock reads h=6 m=26
